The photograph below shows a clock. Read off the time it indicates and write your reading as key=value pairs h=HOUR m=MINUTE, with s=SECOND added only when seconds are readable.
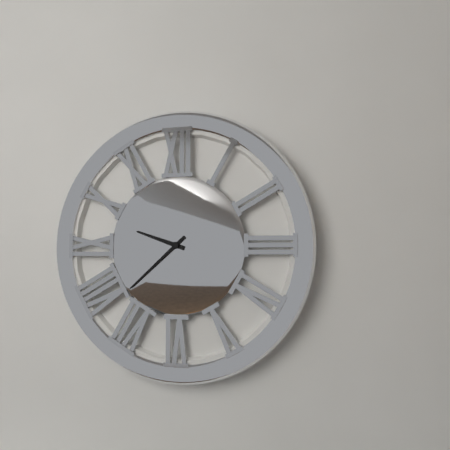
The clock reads h=9 m=38
